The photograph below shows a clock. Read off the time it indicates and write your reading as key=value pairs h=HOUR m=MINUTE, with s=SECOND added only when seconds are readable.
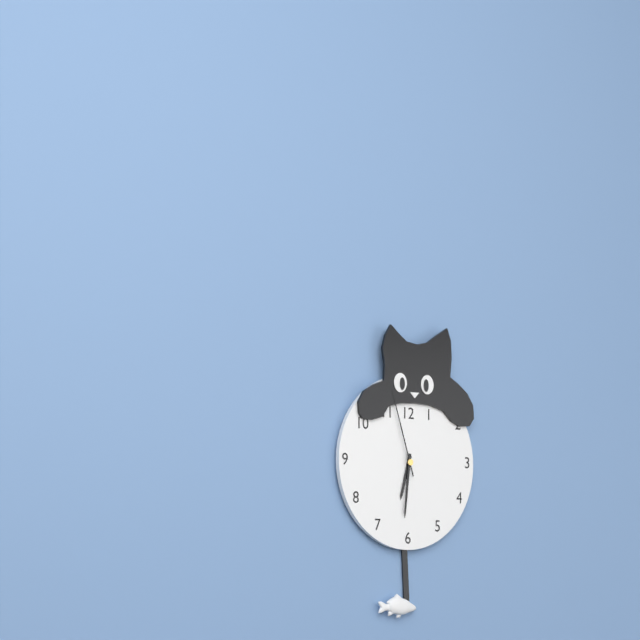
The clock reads h=6 m=31 s=57
